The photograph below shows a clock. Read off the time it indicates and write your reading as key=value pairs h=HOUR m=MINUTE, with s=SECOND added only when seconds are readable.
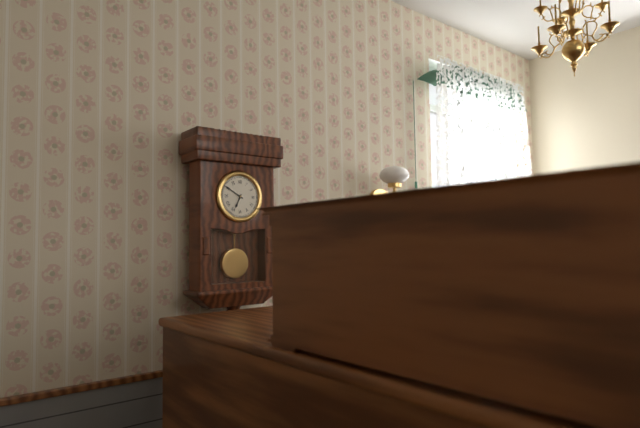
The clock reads h=6 m=50
